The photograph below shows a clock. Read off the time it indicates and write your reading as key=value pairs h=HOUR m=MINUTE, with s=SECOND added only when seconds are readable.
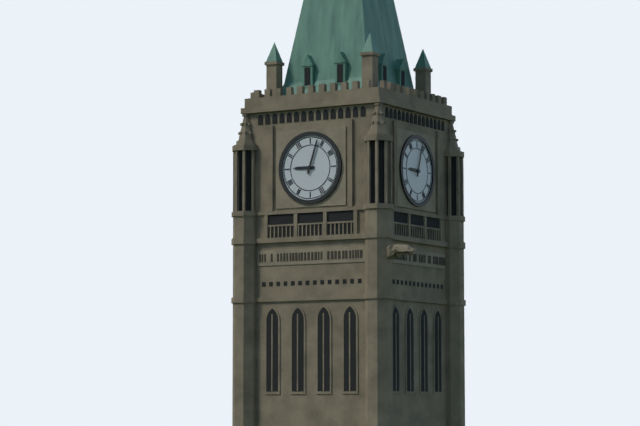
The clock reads h=9 m=3
